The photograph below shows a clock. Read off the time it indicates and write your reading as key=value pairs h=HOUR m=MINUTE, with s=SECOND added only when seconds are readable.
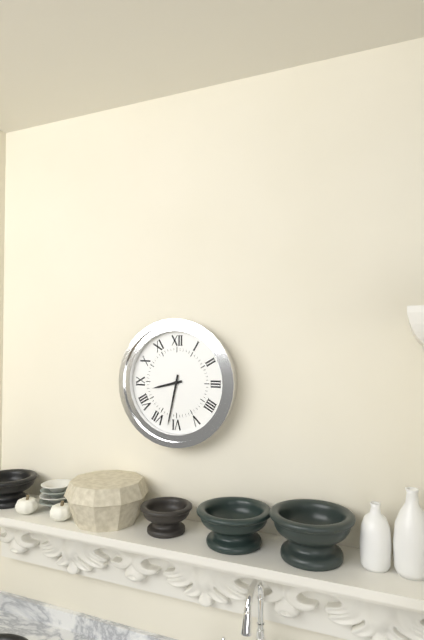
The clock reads h=8 m=32
